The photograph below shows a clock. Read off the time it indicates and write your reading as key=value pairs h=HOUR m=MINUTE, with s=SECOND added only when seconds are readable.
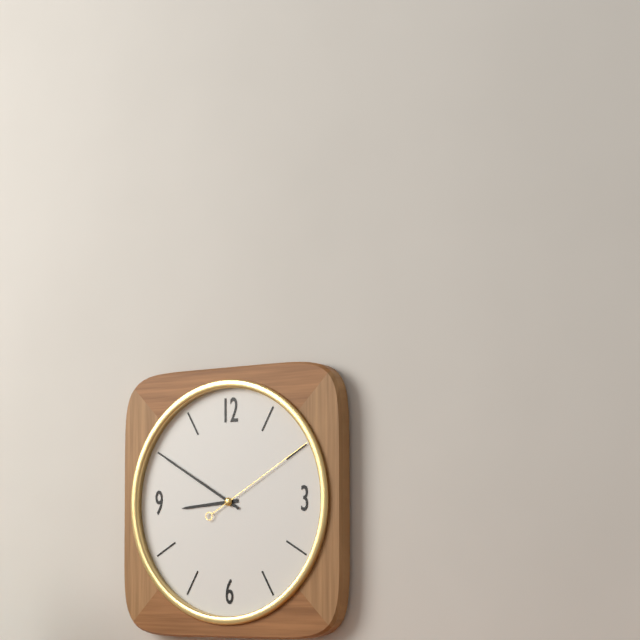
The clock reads h=8 m=50 s=10
